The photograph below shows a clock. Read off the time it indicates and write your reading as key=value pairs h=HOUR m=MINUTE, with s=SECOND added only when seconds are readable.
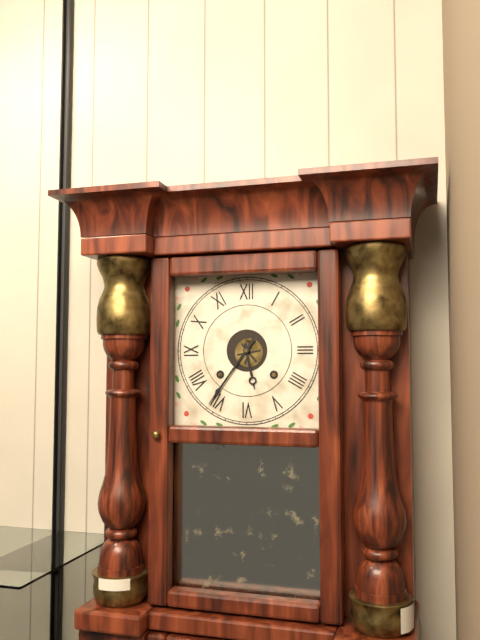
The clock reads h=5 m=36
